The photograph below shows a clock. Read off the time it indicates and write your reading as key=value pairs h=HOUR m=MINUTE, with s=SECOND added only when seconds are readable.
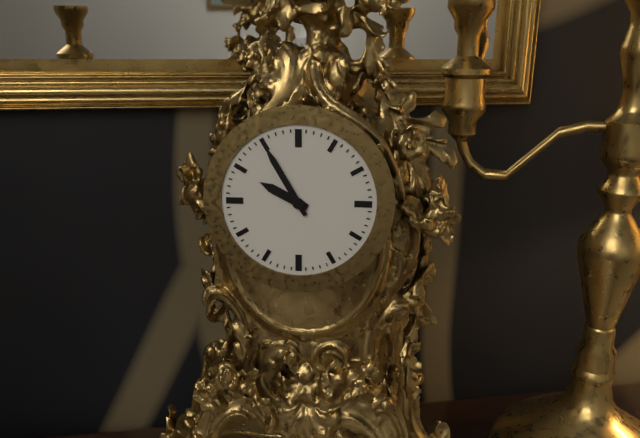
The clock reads h=9 m=55
